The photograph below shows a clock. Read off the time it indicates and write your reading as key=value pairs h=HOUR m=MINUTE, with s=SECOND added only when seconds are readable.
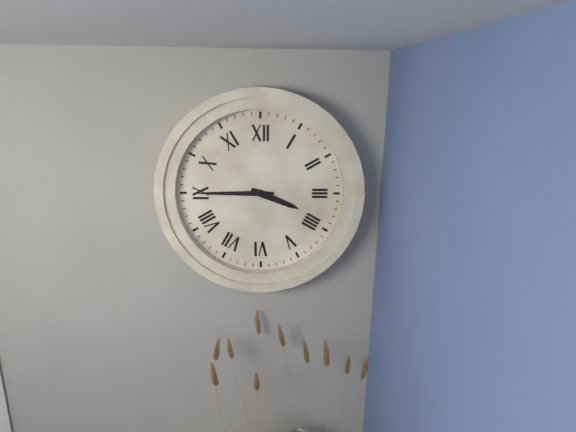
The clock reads h=3 m=45
